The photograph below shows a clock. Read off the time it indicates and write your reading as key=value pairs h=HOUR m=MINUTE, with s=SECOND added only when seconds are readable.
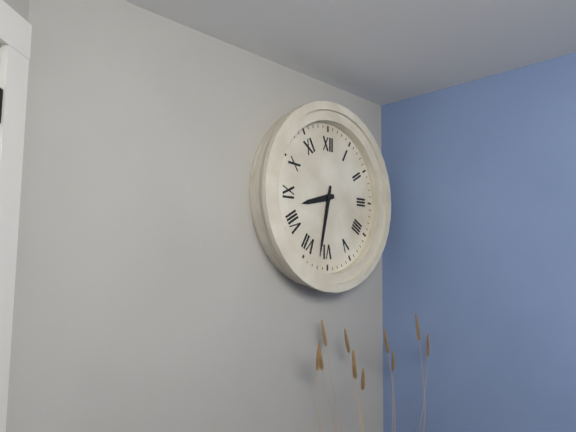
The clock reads h=8 m=32
